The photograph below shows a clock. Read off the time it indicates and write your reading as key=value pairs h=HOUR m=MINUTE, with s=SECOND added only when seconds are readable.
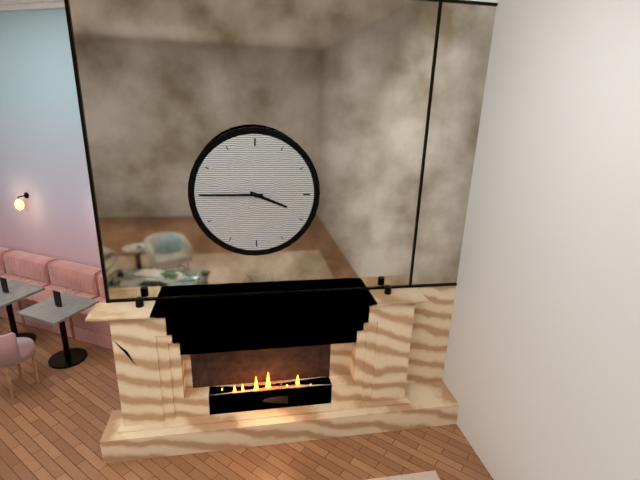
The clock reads h=3 m=45
